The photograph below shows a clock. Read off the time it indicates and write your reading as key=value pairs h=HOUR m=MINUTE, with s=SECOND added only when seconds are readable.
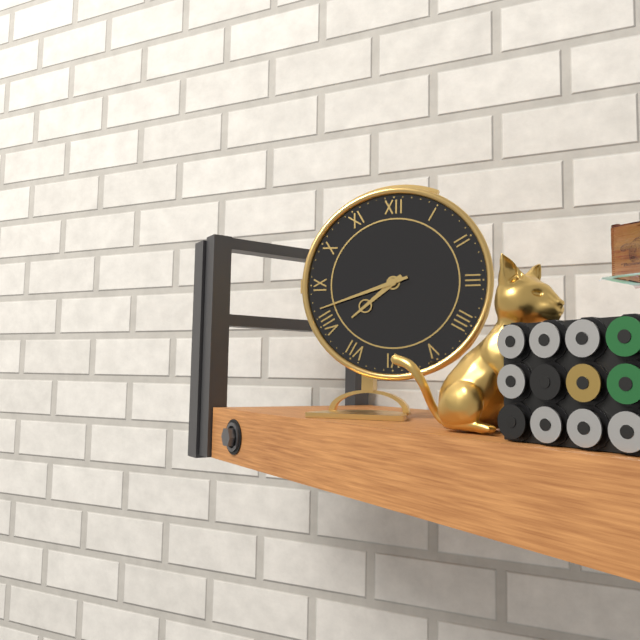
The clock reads h=7 m=42
